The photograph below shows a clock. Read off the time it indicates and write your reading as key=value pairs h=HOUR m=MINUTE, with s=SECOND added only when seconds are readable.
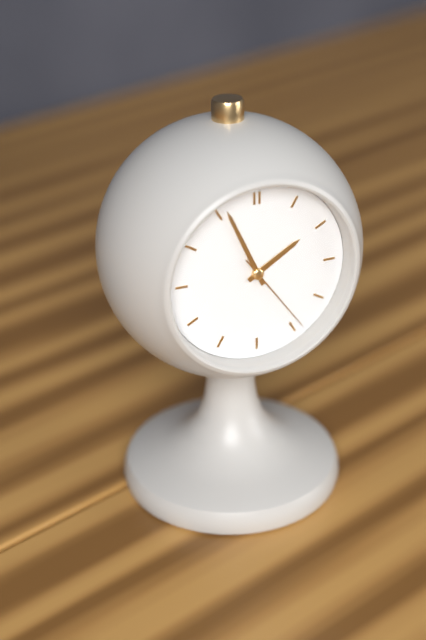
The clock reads h=1 m=56 s=24
